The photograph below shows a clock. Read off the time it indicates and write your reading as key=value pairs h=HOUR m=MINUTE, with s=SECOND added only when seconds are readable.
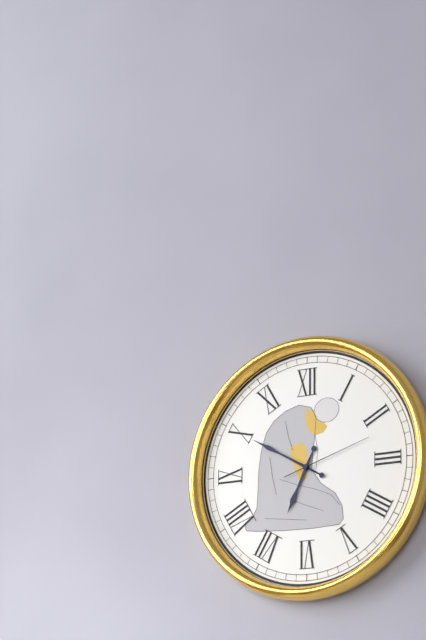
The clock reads h=6 m=50 s=12
